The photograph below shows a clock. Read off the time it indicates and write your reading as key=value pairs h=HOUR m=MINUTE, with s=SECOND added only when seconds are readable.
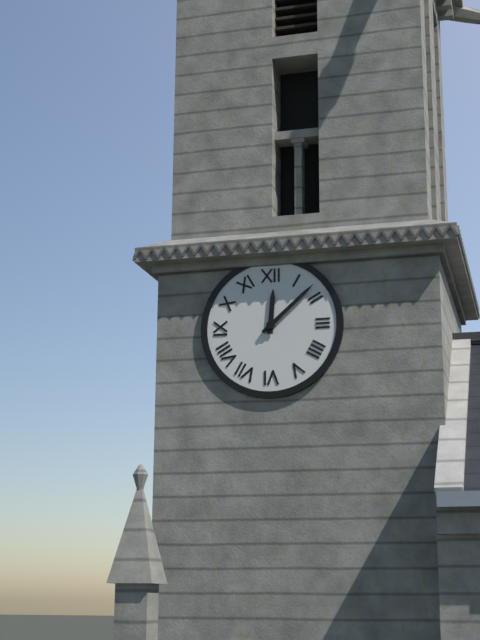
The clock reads h=12 m=8
